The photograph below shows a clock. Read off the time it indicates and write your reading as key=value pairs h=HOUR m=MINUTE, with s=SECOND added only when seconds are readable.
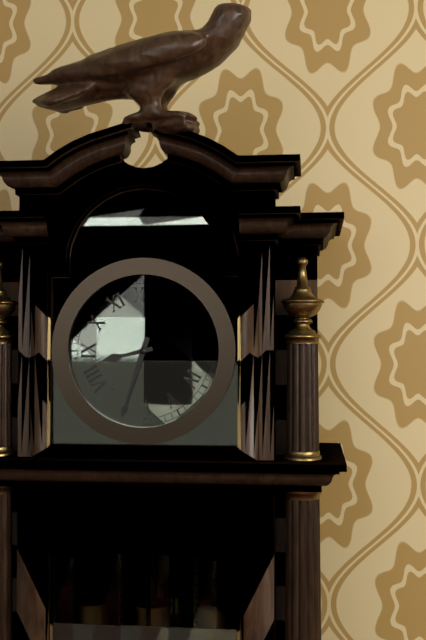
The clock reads h=8 m=33
